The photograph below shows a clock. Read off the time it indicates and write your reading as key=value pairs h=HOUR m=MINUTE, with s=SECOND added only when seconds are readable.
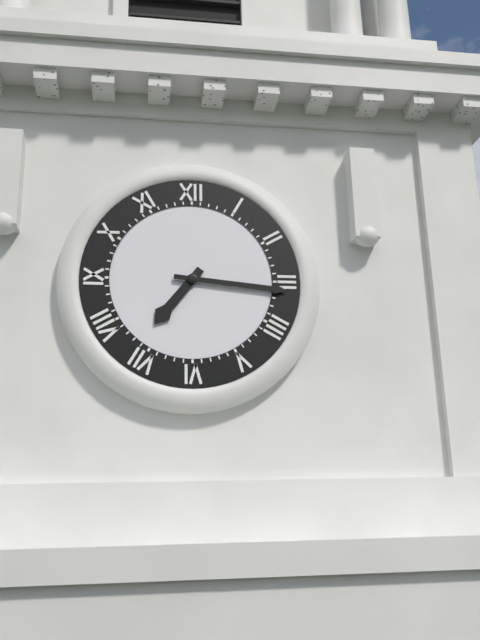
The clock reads h=7 m=16
